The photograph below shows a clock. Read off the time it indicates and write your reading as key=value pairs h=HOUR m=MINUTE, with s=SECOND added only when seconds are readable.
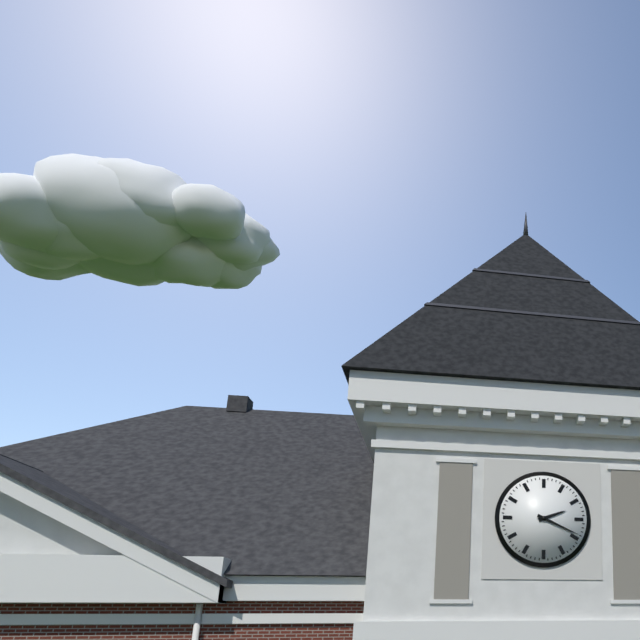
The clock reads h=2 m=19
